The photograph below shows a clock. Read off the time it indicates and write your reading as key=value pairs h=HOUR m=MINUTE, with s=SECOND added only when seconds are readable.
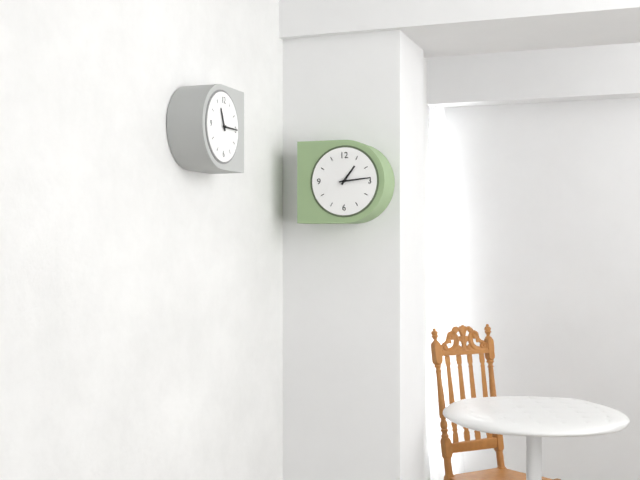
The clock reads h=1 m=14
